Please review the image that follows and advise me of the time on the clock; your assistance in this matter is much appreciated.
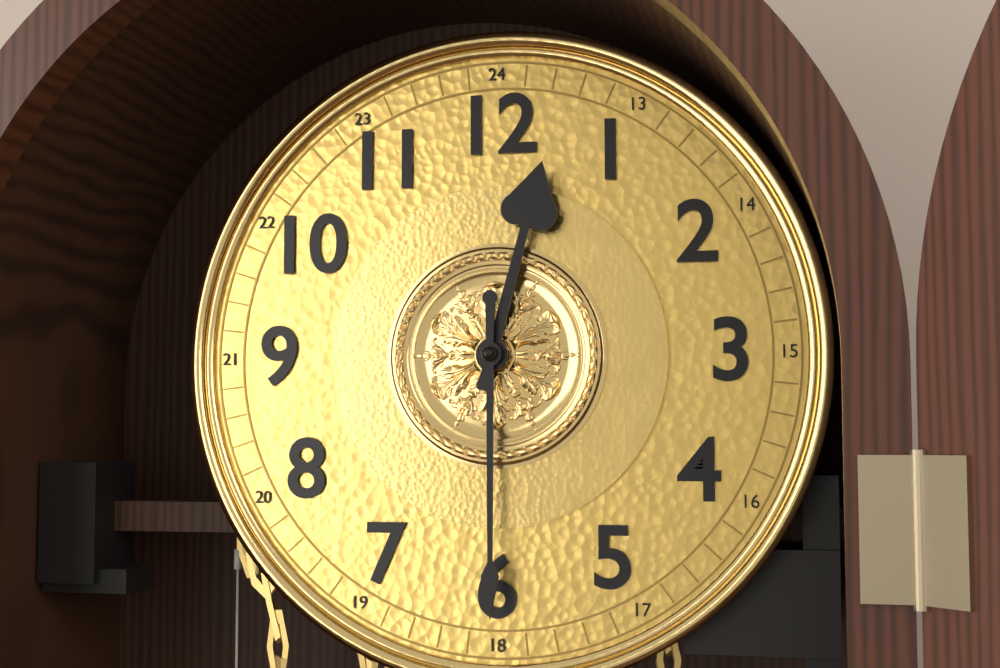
12:30
